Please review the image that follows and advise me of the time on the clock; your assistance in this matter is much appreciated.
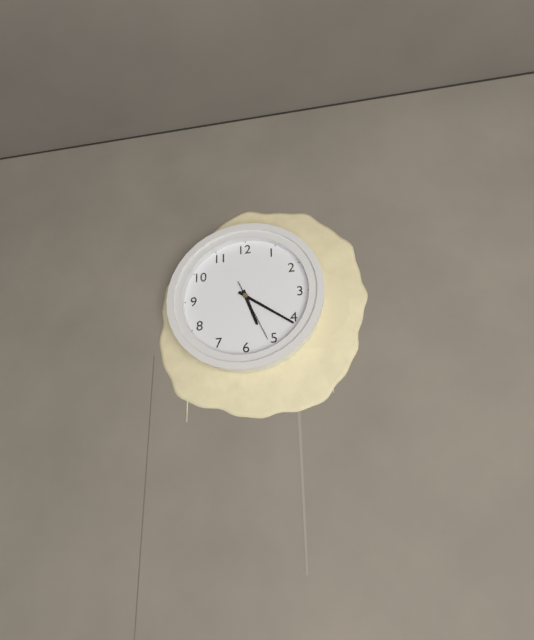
5:21:26
